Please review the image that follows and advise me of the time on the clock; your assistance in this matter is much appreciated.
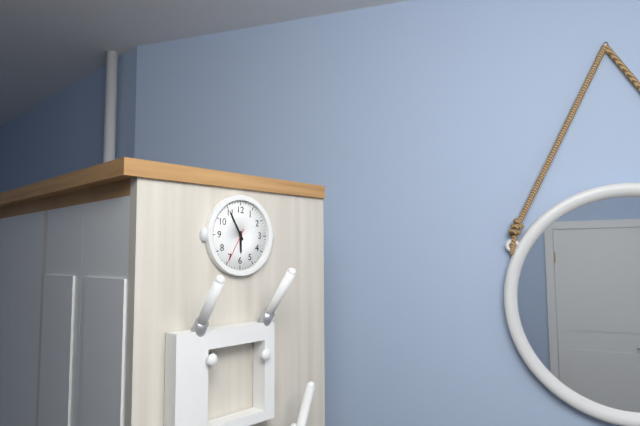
5:55
